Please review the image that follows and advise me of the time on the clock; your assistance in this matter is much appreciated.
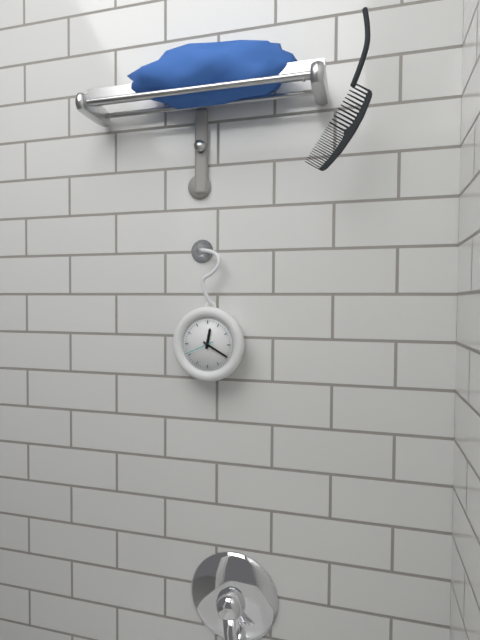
12:20
